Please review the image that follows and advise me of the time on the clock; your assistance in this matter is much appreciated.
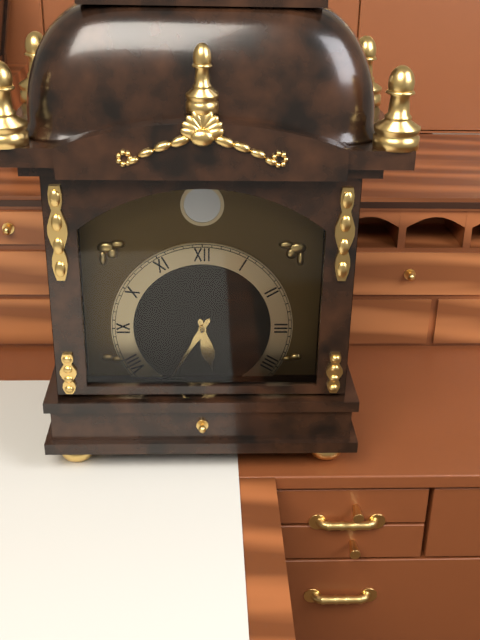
5:35
